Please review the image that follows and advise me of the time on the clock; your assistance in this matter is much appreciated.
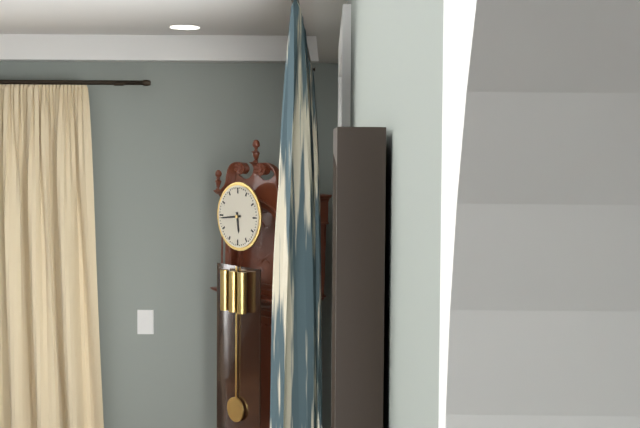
5:44
